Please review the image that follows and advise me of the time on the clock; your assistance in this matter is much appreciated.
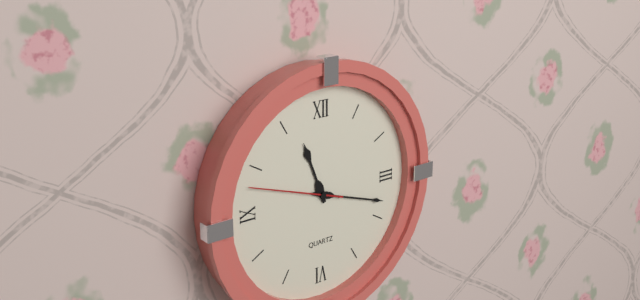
11:18:48
